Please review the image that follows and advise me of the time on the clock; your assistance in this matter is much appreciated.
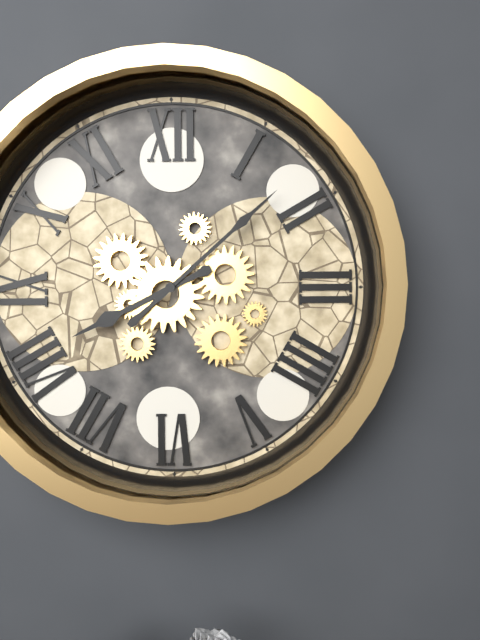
8:08
